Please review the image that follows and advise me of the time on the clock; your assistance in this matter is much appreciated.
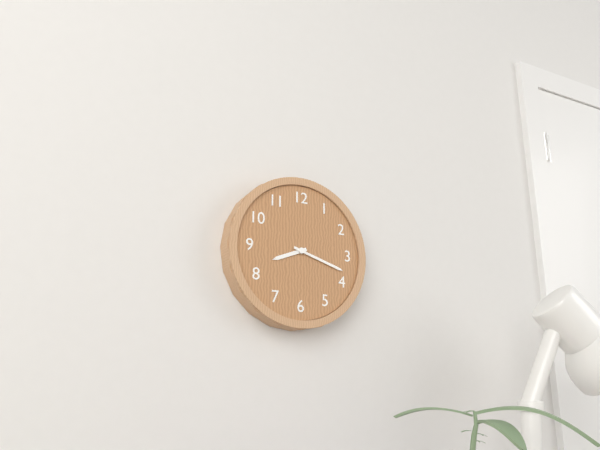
8:18
